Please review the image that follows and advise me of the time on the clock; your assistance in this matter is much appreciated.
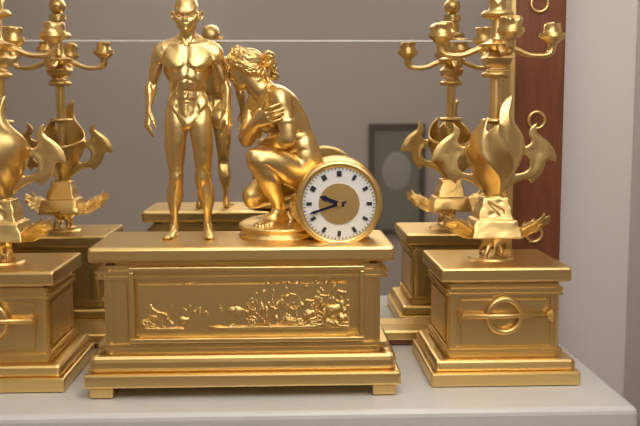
9:42
